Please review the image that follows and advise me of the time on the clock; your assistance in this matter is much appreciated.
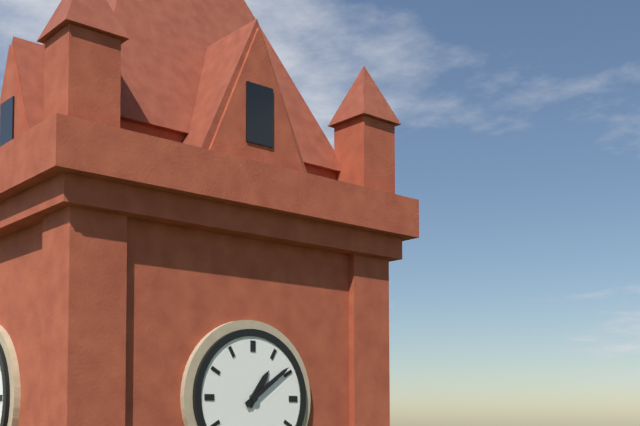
1:09
